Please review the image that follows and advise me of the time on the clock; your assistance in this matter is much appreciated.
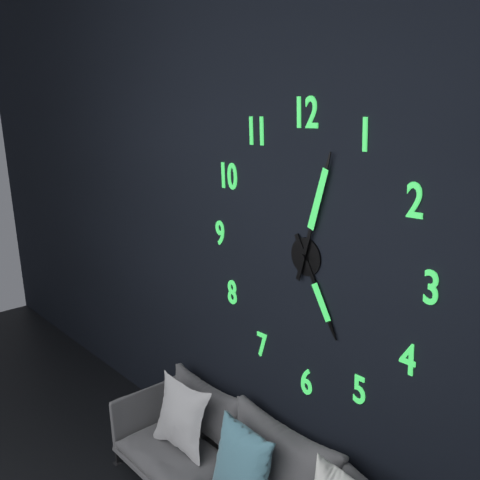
5:03
